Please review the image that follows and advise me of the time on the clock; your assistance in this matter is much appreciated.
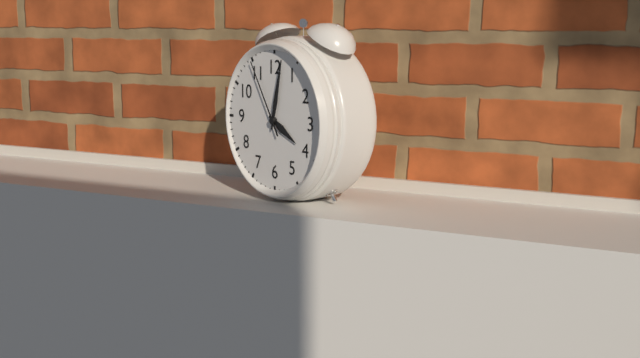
4:02:55
